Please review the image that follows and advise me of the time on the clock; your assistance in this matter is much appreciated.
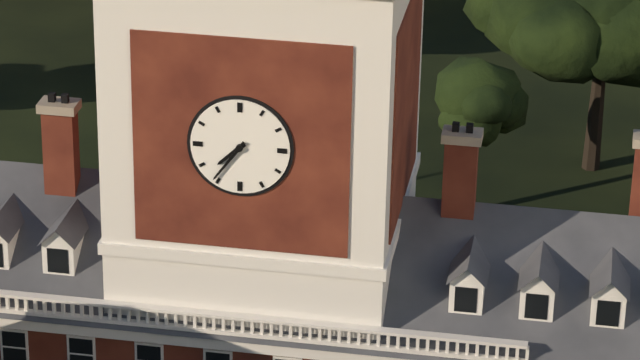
7:36
